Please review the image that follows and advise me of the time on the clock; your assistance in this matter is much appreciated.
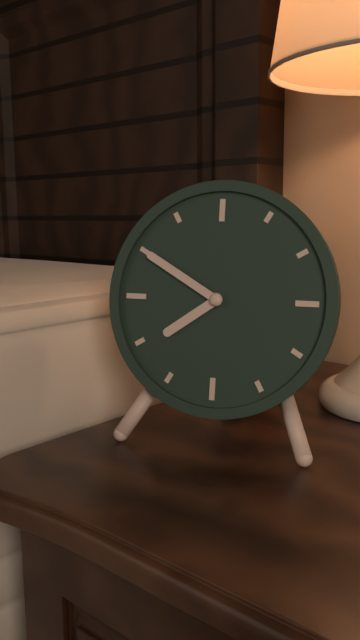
7:50
